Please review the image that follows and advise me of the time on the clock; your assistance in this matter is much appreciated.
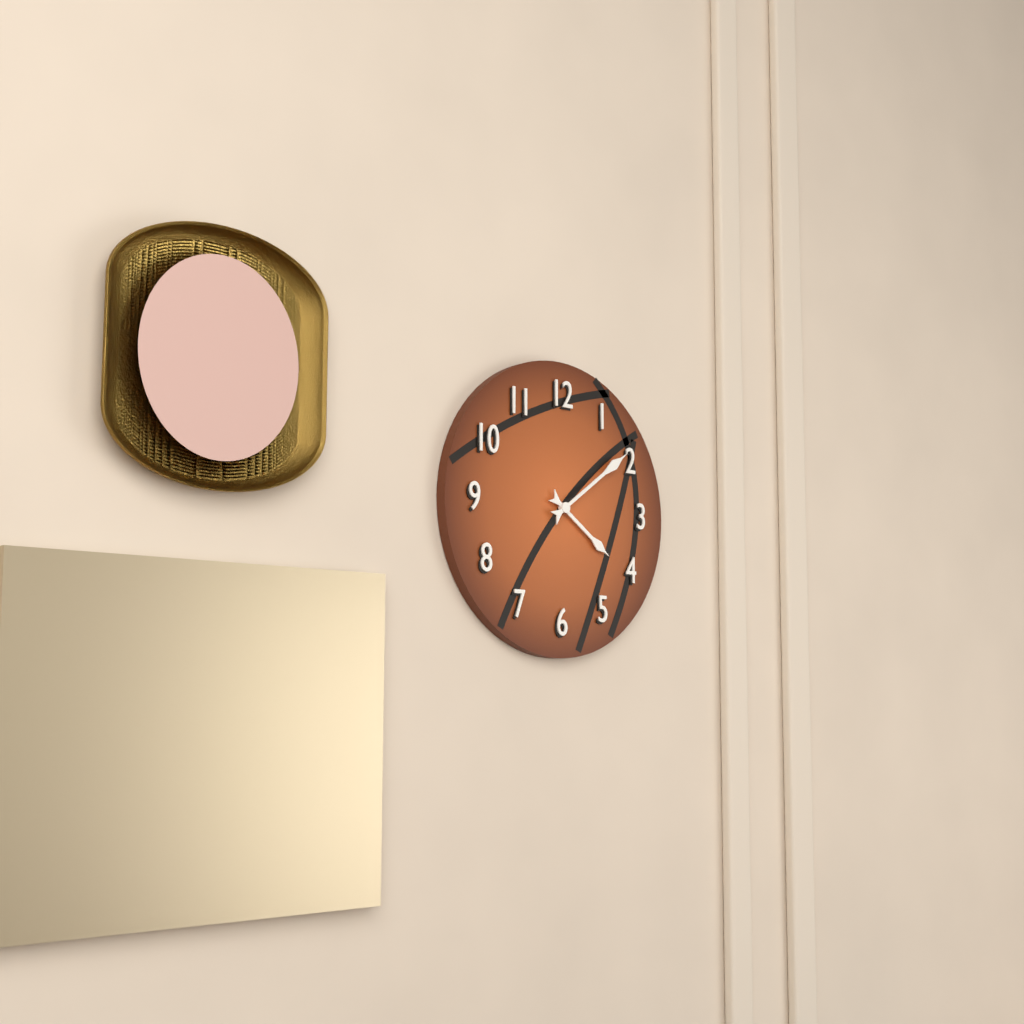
4:09
